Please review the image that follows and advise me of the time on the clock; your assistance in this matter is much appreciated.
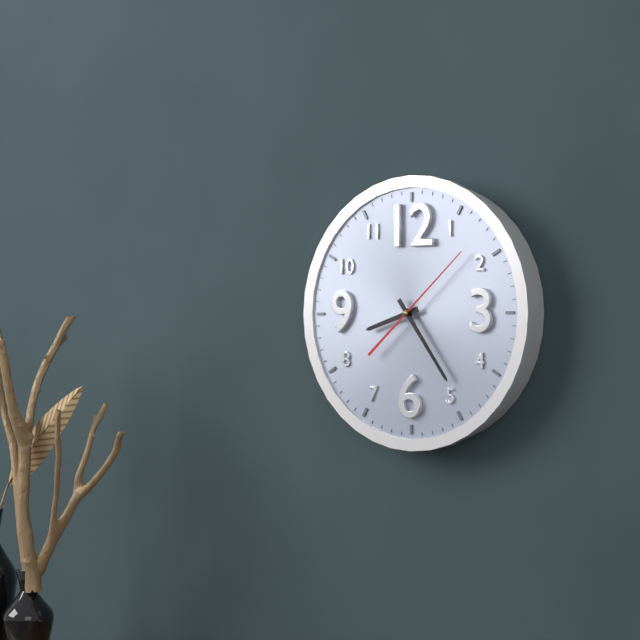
8:24:08
